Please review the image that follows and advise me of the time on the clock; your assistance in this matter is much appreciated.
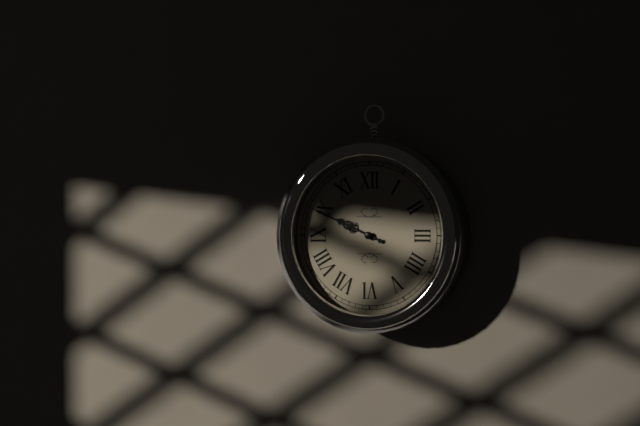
9:49
